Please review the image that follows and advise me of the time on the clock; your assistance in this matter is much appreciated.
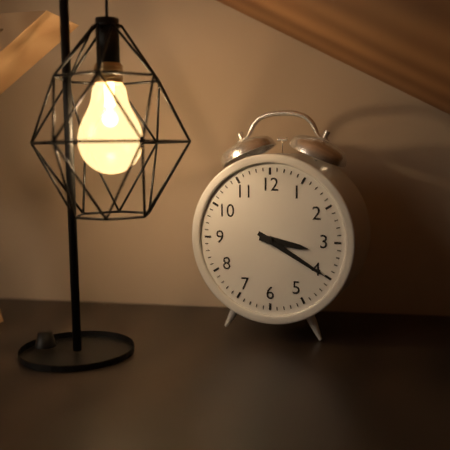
3:20
